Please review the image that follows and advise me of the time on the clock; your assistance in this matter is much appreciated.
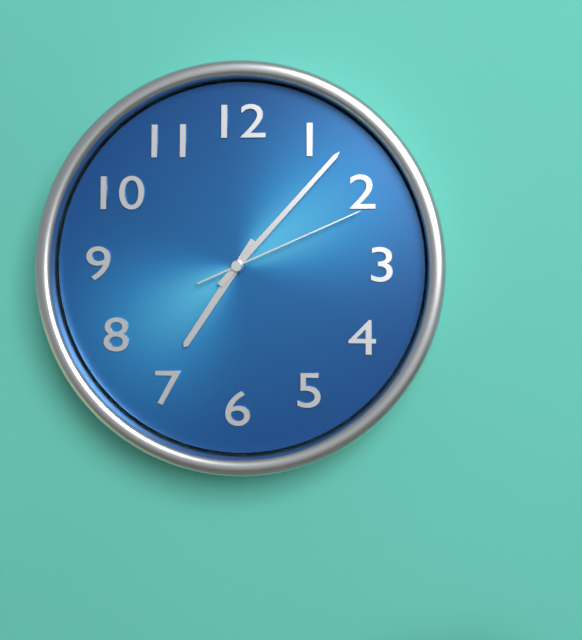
7:07:11
